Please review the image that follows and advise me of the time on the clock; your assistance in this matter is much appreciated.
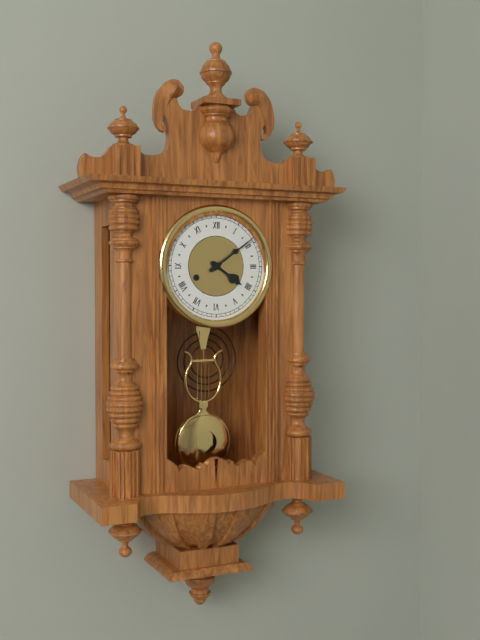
4:09
